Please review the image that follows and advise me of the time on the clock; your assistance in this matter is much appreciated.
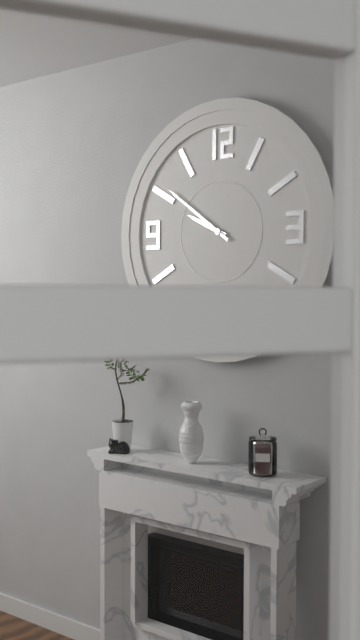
9:51
